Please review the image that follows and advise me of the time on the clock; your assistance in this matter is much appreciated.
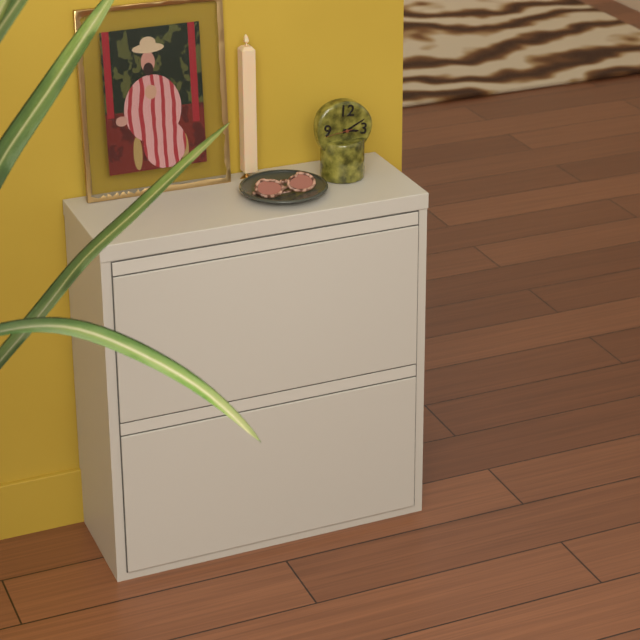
3:10
